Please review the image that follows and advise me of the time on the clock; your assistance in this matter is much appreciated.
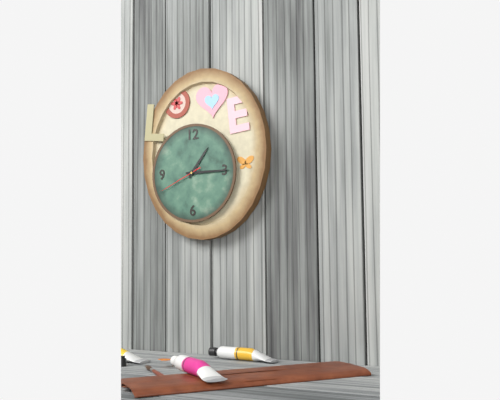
1:15
